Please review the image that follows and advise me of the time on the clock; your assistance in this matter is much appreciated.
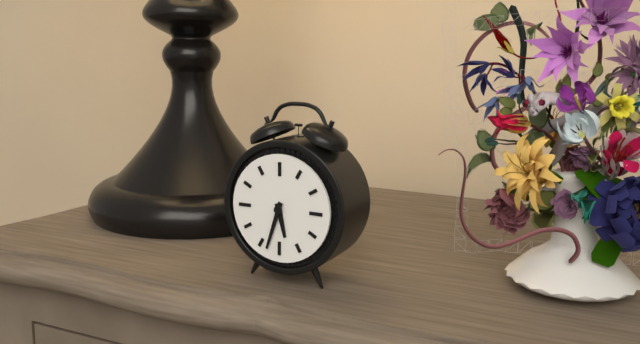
5:33
